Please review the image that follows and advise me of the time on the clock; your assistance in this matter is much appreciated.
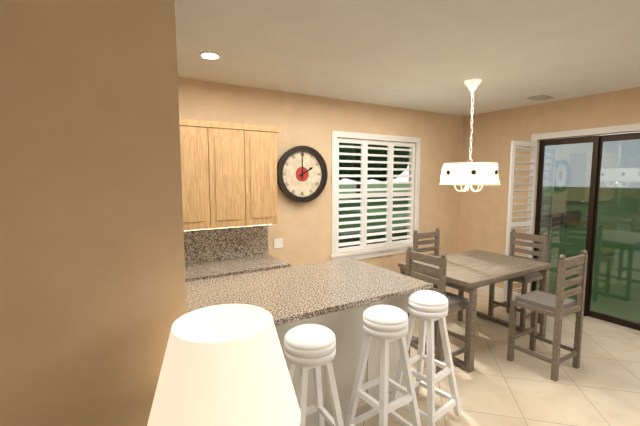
2:00
